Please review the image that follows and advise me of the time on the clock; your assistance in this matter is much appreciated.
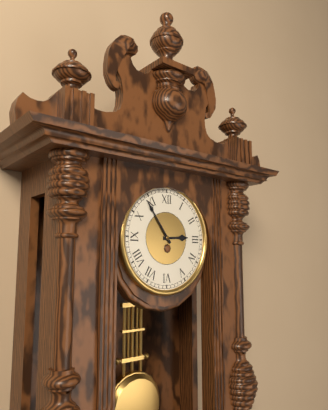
2:54
